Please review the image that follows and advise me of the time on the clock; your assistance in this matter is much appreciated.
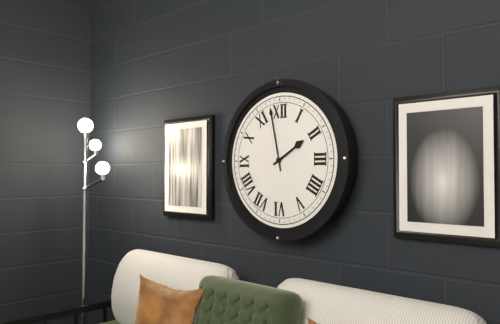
1:58
